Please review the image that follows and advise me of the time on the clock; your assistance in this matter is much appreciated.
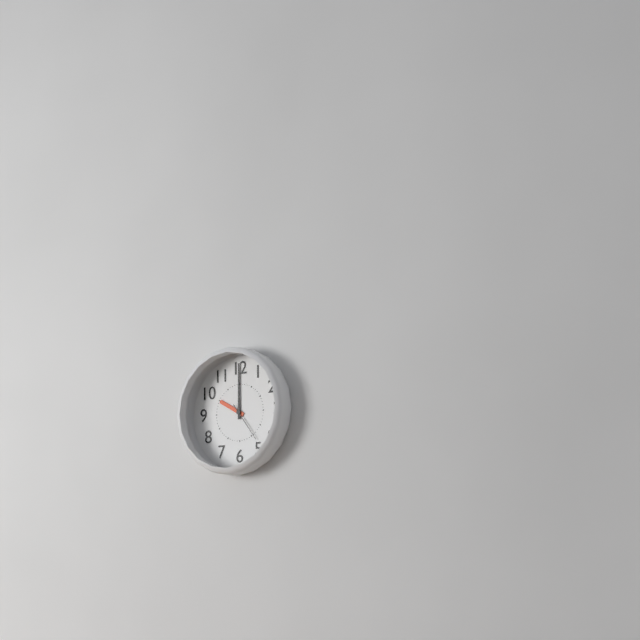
10:00
